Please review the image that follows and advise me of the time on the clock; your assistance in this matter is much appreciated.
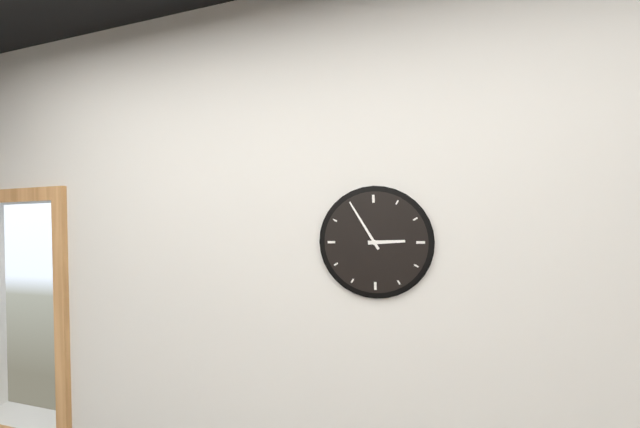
2:55
